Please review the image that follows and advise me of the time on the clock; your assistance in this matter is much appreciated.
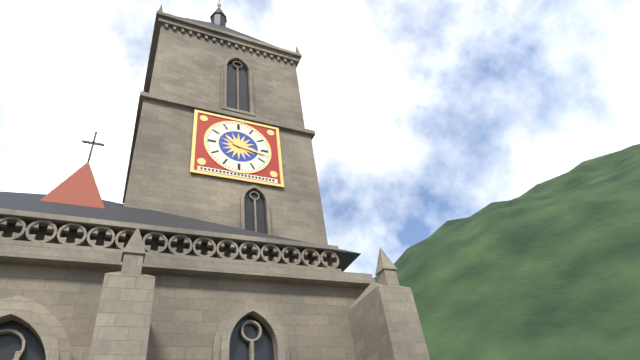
10:17
